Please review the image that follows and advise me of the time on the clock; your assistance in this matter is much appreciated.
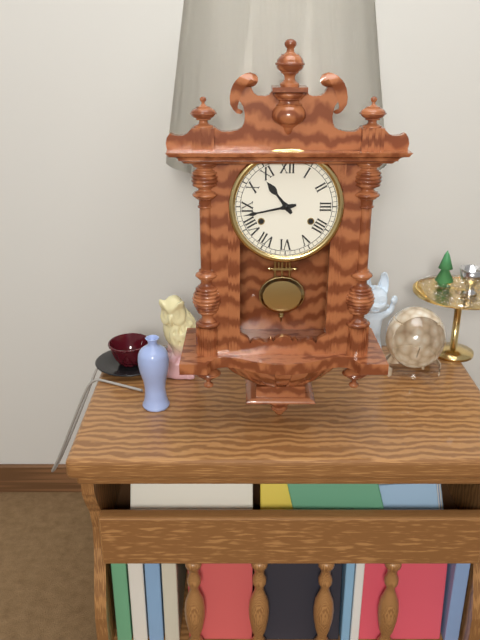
10:43
